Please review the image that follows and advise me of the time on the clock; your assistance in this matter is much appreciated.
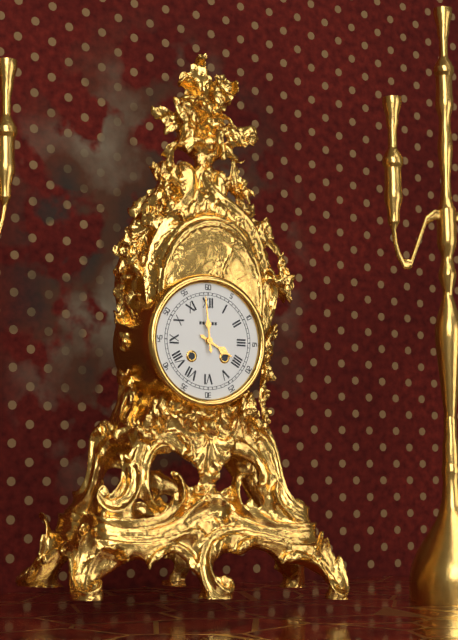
3:59
